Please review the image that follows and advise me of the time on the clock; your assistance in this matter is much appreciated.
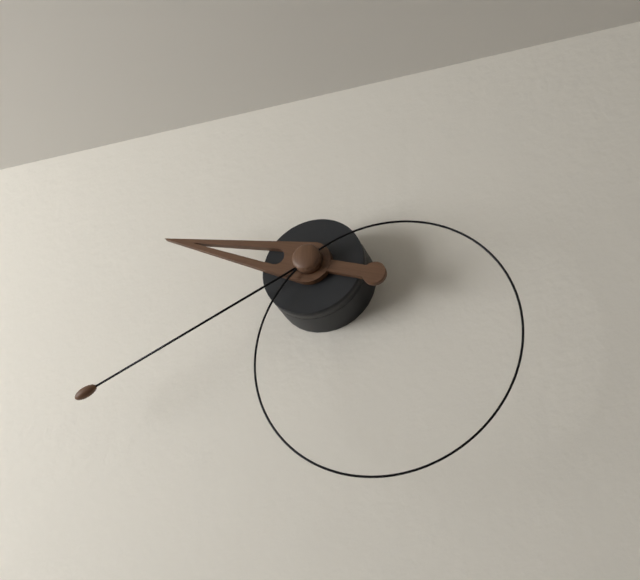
9:41:24
